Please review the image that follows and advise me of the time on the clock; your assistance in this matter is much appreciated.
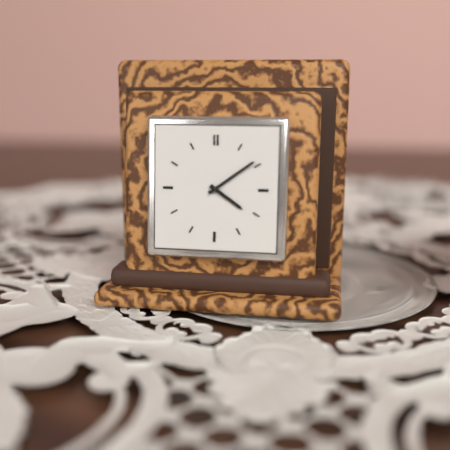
4:09
